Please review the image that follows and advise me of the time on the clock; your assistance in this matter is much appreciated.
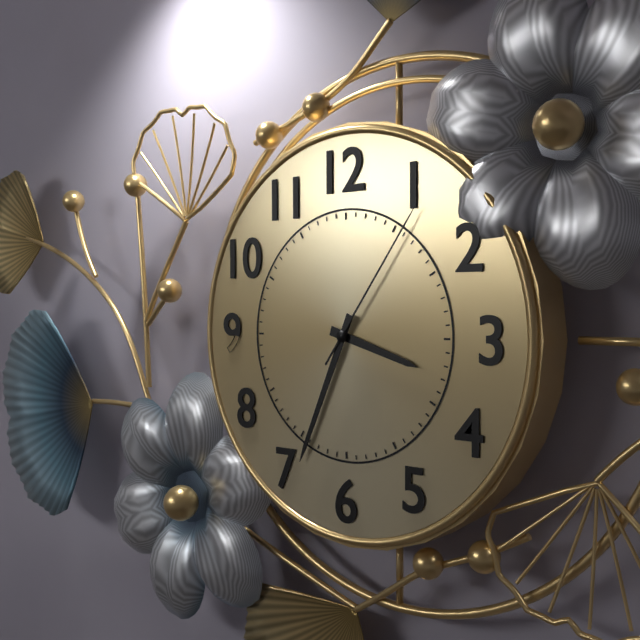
3:34:06
